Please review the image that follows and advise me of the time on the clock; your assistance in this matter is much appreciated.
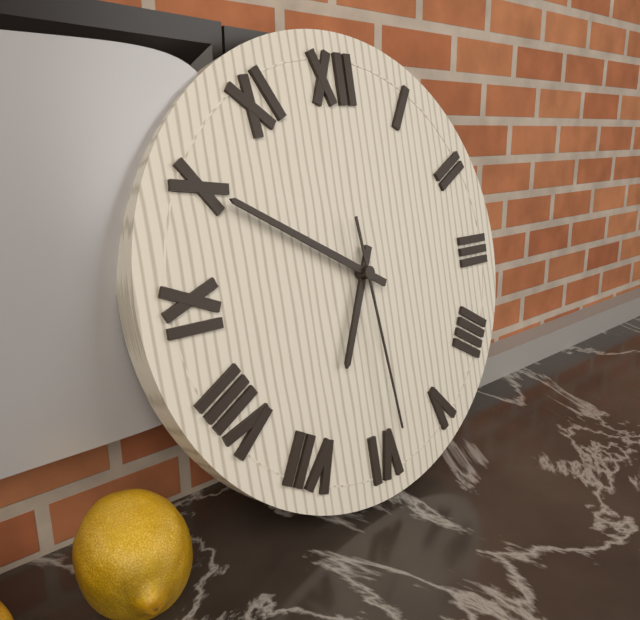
6:50:29
